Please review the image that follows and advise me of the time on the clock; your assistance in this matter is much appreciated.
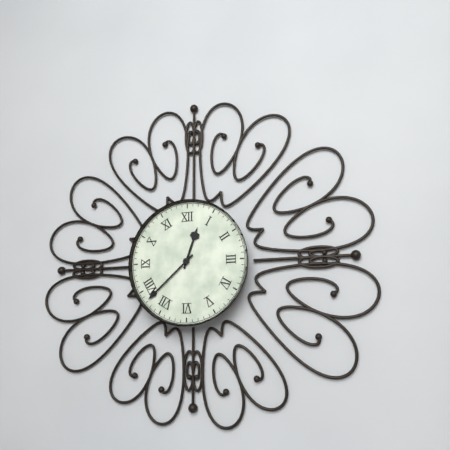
12:38
